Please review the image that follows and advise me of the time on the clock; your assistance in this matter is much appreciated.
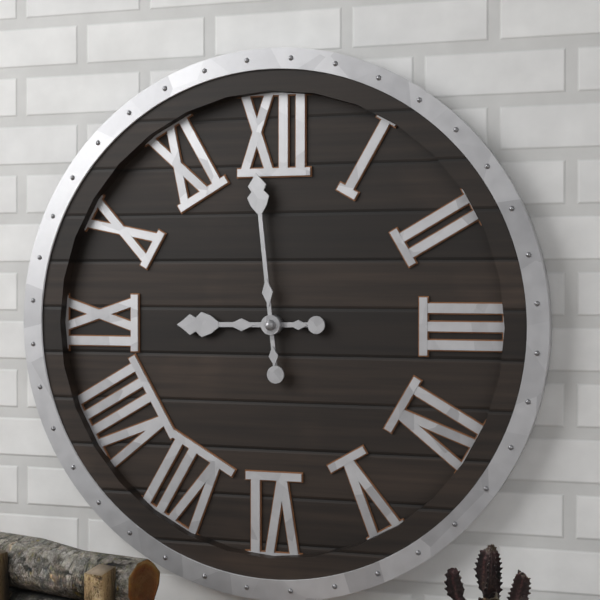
8:59
